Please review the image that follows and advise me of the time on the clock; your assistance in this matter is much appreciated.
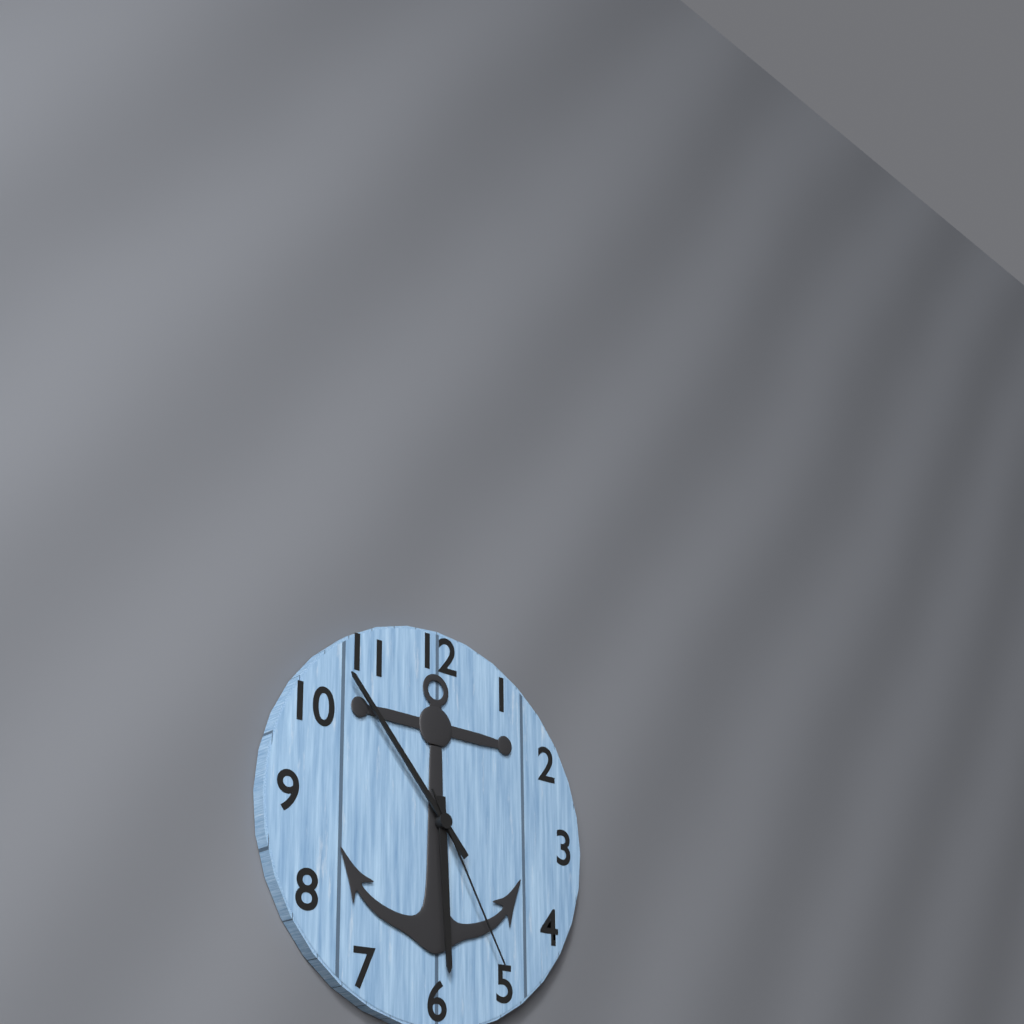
5:53:25
